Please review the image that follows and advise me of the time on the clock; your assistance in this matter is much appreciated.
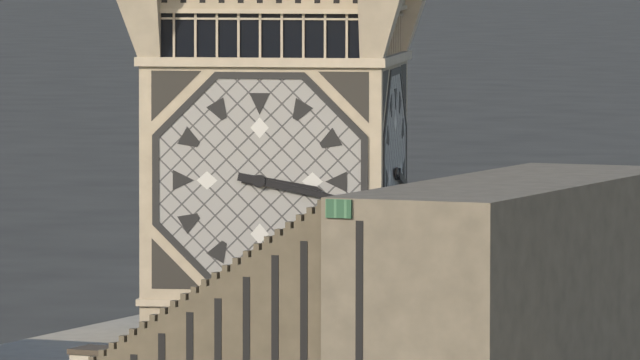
3:17
